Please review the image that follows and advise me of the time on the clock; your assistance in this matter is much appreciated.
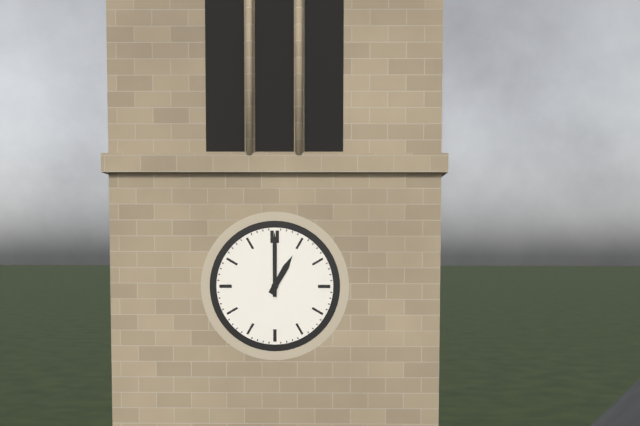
1:00
